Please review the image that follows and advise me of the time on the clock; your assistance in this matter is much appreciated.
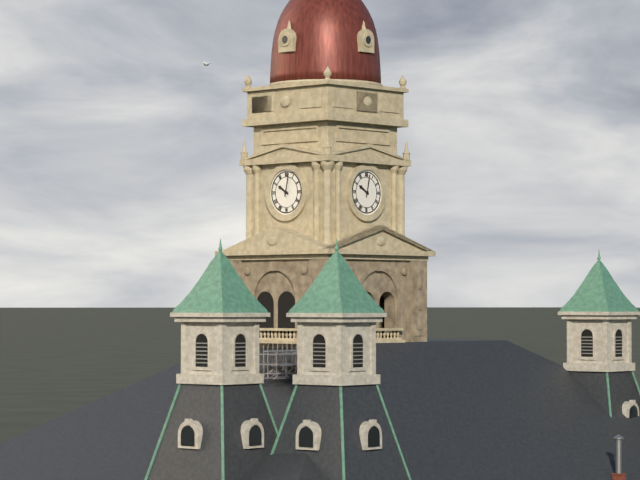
10:02
